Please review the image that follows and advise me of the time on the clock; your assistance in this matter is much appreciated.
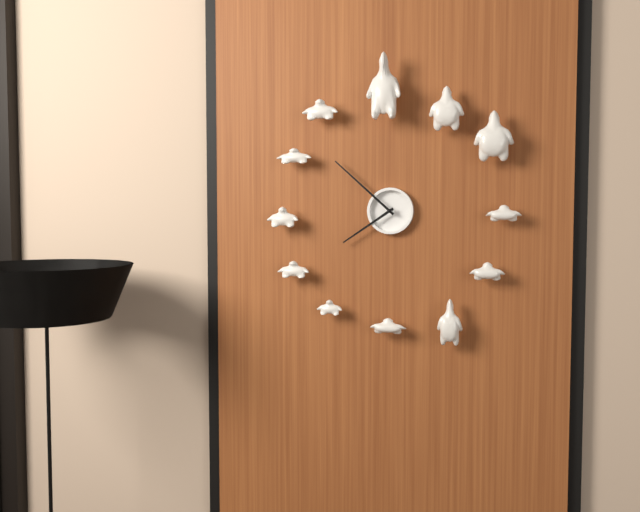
7:52
